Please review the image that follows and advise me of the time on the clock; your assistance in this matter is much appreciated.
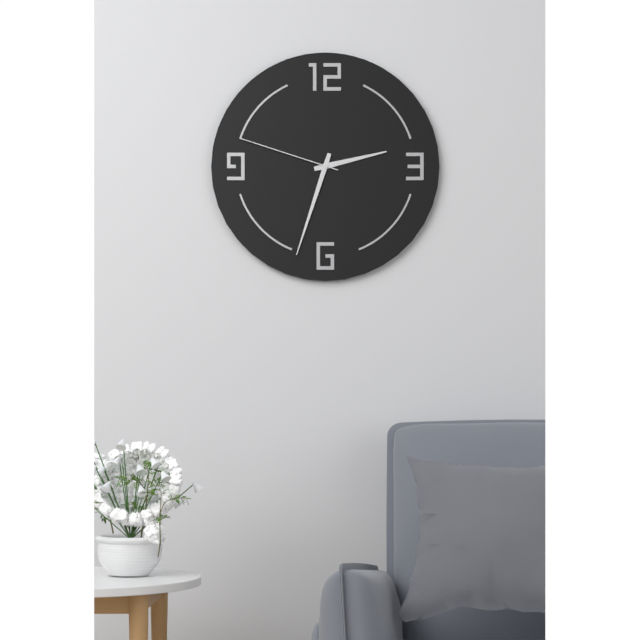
2:33:48
